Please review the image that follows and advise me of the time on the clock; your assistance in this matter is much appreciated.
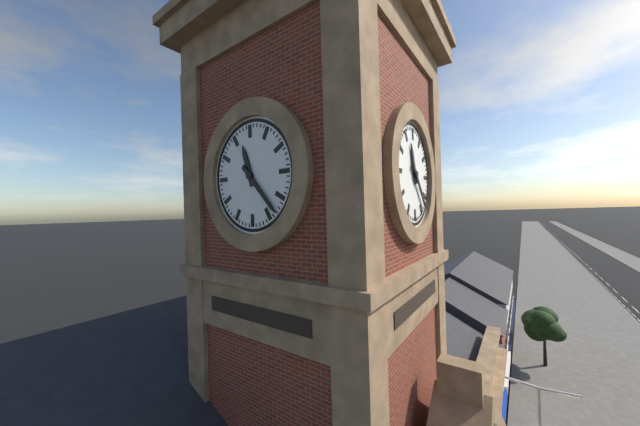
11:23
